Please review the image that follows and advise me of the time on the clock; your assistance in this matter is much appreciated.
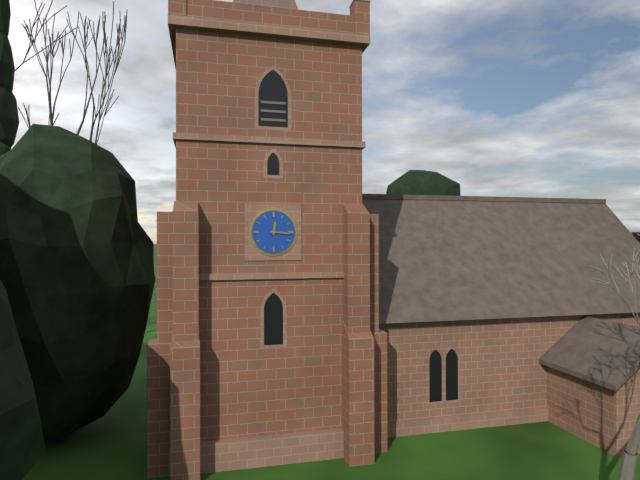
12:16
